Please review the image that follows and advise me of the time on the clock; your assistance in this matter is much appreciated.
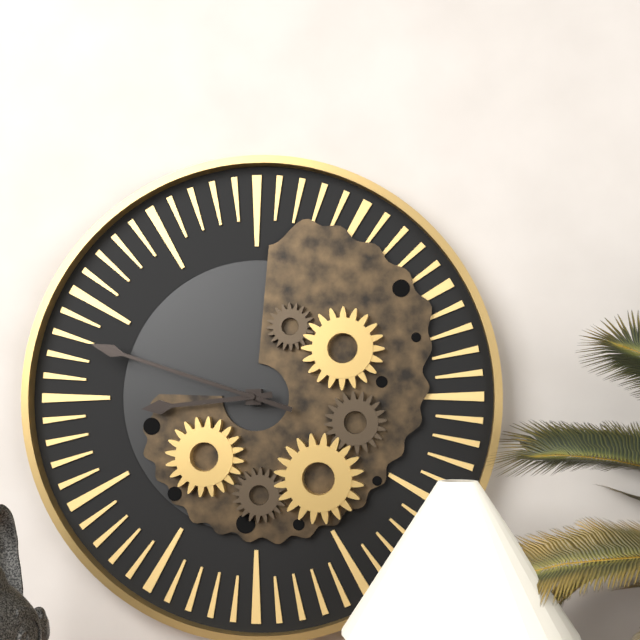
8:48
